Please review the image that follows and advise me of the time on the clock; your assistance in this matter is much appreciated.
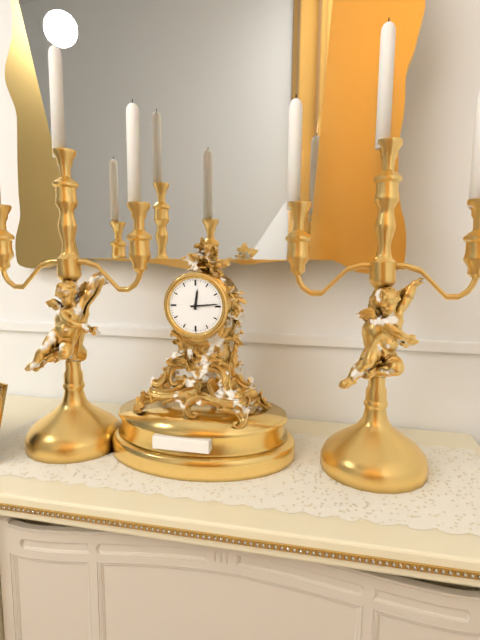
12:14
